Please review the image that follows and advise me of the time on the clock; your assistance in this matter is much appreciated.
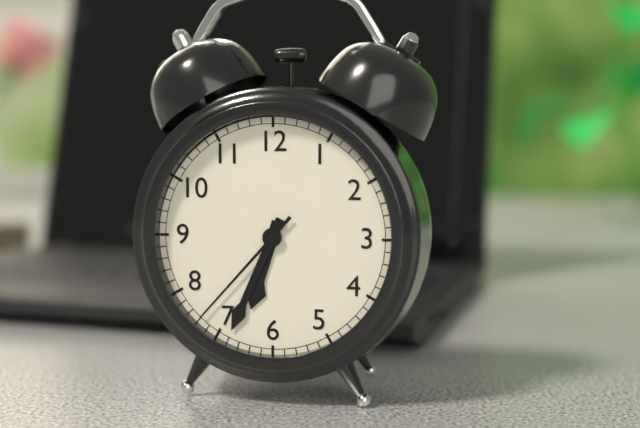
6:34:37
